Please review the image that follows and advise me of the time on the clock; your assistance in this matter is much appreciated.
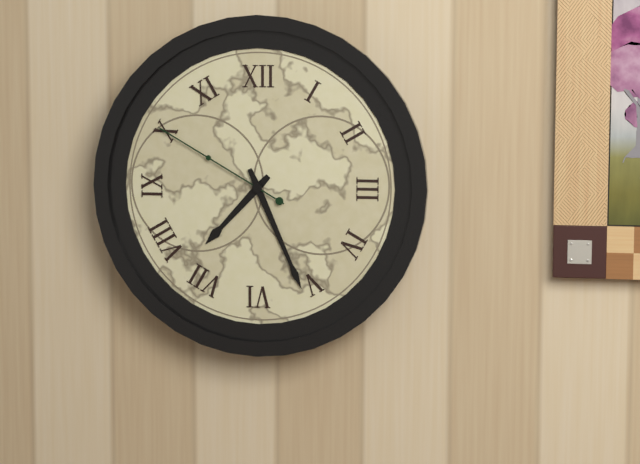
7:26:50
